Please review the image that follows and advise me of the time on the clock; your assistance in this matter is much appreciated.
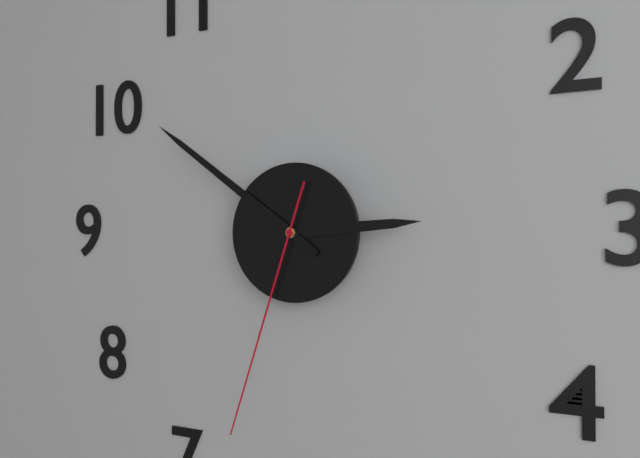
2:51:33
